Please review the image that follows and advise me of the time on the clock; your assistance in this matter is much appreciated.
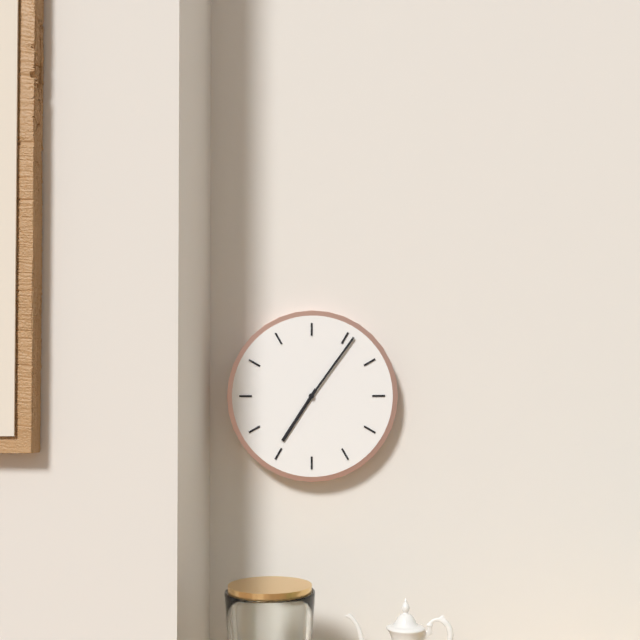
7:06
